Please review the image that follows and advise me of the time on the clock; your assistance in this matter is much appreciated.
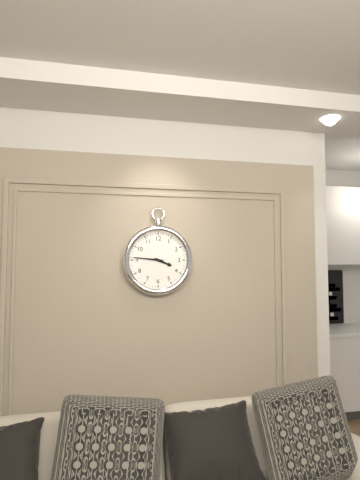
3:46
